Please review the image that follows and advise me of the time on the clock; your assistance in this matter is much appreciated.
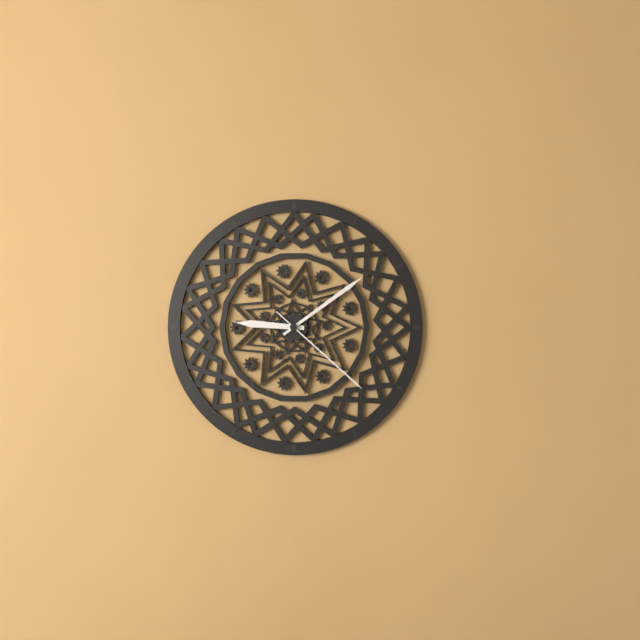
9:09:22
